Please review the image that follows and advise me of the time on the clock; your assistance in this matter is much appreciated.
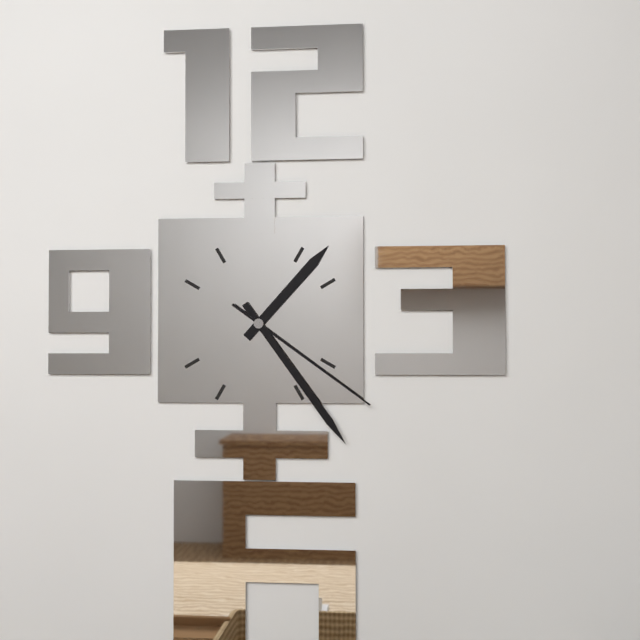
1:24:21
